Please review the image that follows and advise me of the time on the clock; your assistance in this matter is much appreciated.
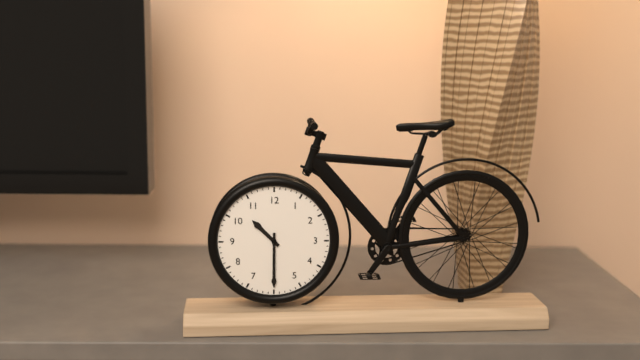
10:30
